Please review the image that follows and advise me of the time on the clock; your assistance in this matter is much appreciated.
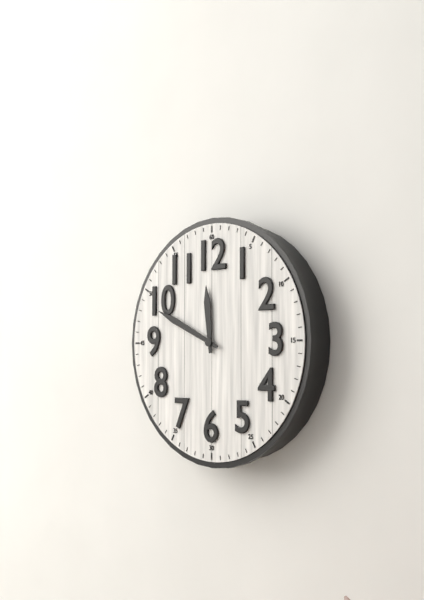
11:49
